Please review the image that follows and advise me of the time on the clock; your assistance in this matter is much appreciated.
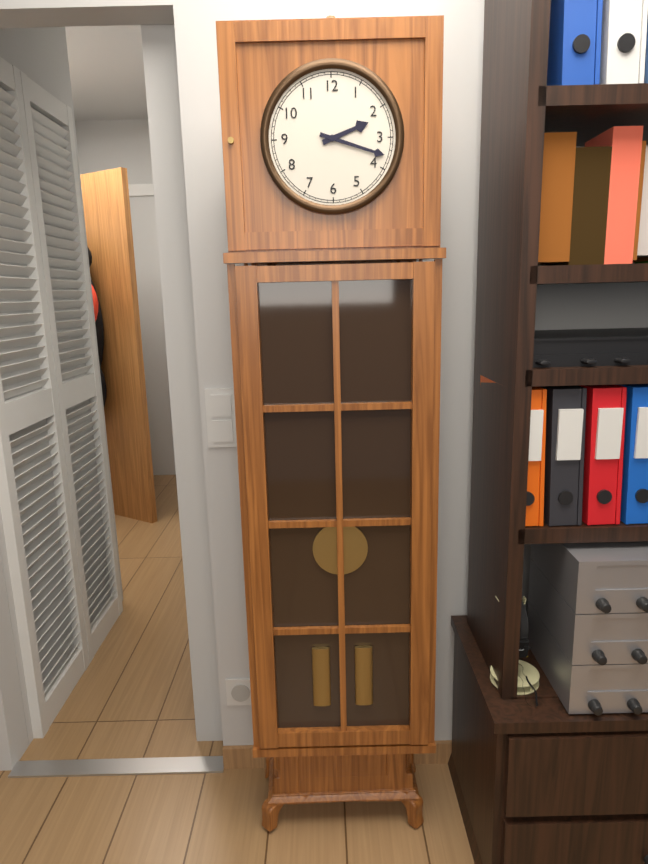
2:18
